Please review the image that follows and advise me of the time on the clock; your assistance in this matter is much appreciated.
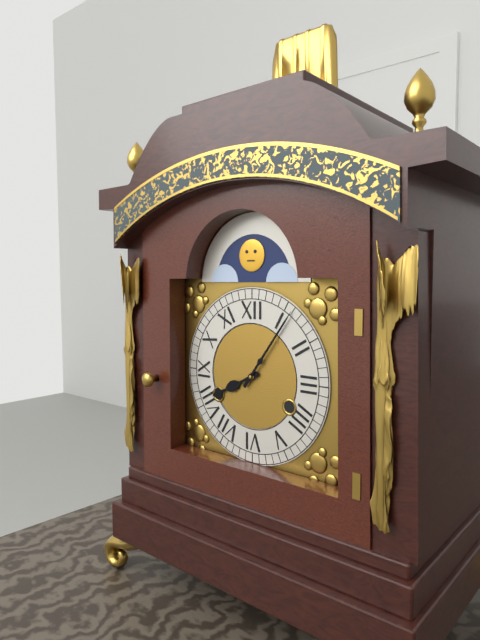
8:06
